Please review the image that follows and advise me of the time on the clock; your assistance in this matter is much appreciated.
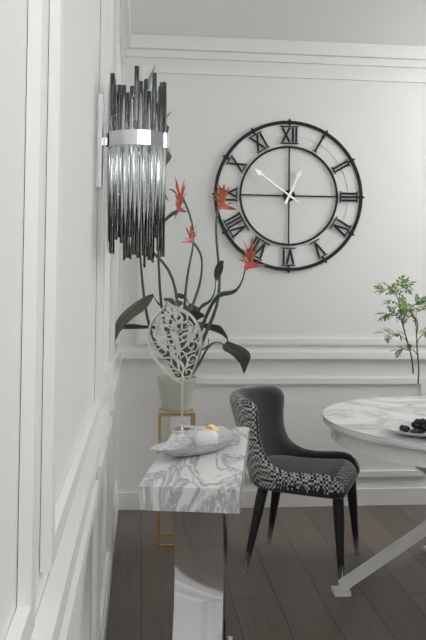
12:51
